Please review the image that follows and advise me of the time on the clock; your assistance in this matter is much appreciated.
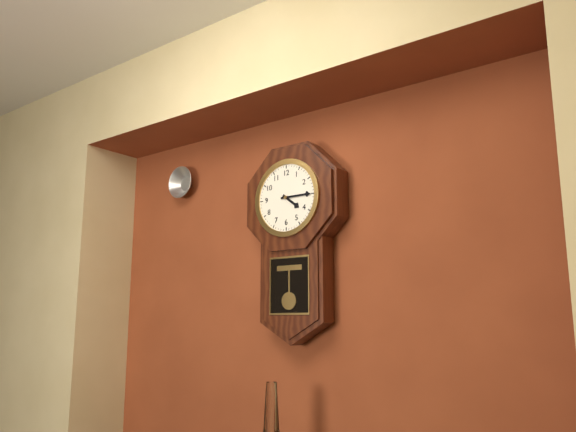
4:15
